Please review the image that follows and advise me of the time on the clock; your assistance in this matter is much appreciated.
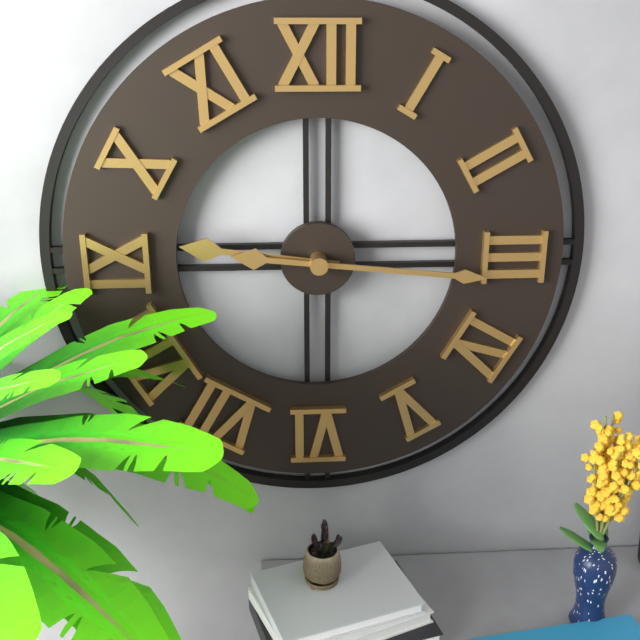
9:16
